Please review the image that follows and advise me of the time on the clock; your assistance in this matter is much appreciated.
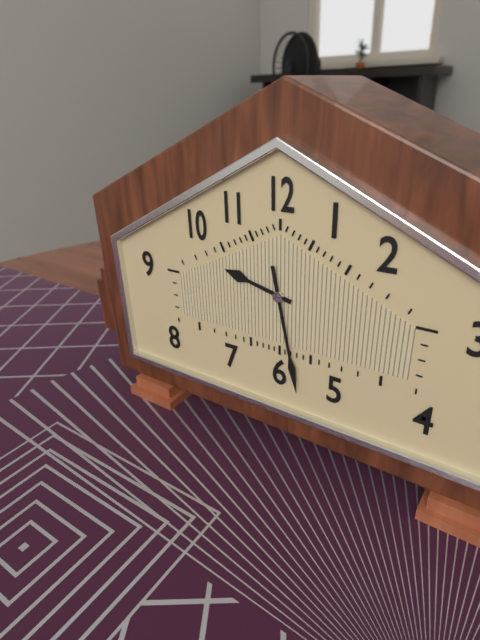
9:28
